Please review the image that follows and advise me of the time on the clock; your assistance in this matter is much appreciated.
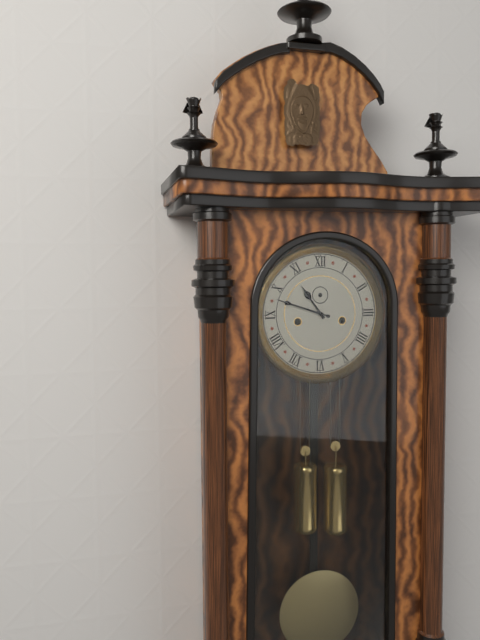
10:48
